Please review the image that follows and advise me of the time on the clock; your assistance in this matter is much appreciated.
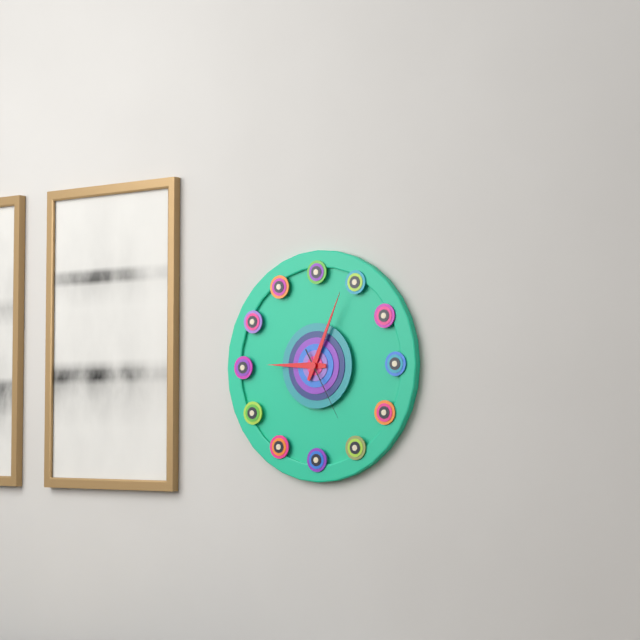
9:04:25
